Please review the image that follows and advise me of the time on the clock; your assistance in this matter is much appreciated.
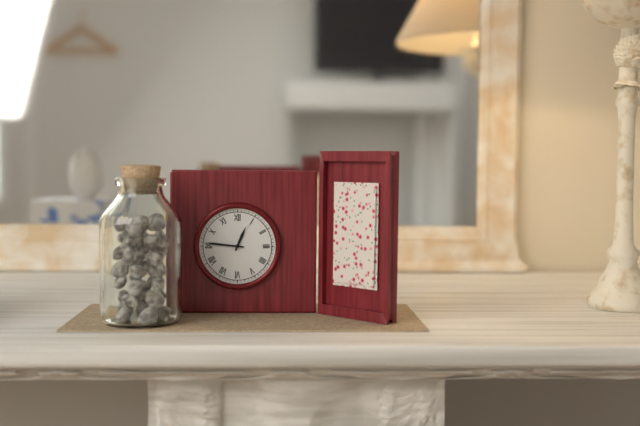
12:46
